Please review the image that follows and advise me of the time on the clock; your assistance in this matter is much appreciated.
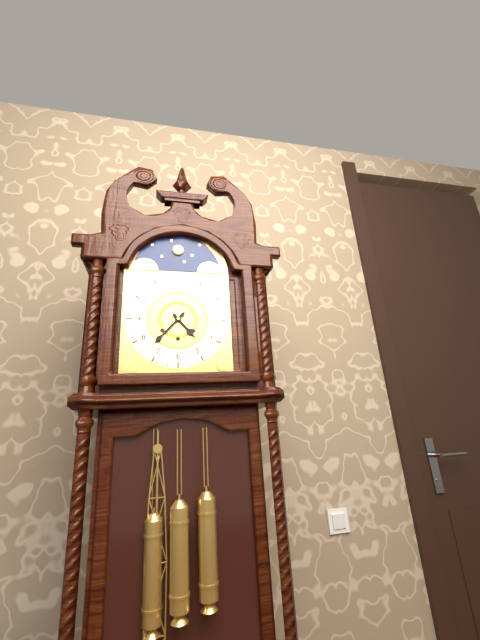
4:37
